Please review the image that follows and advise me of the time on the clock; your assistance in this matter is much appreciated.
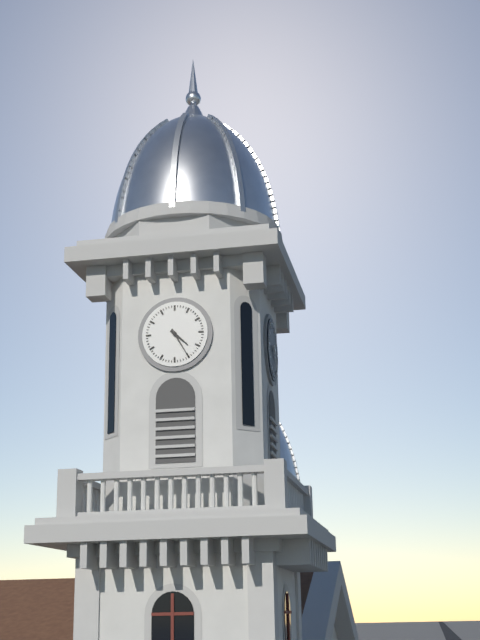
4:25
